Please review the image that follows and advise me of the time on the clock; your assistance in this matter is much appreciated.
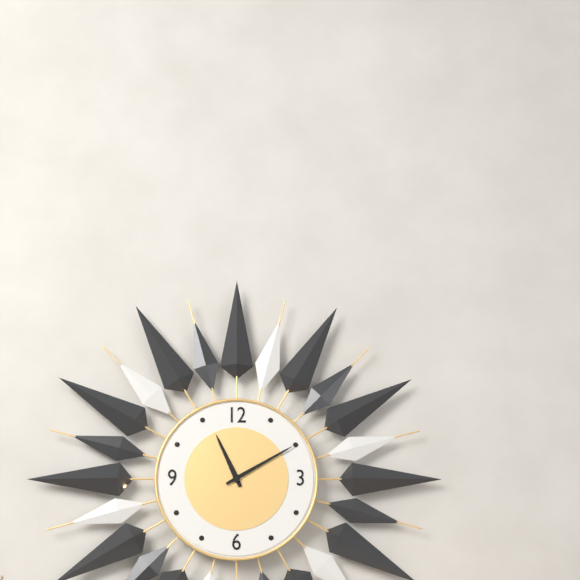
11:10
